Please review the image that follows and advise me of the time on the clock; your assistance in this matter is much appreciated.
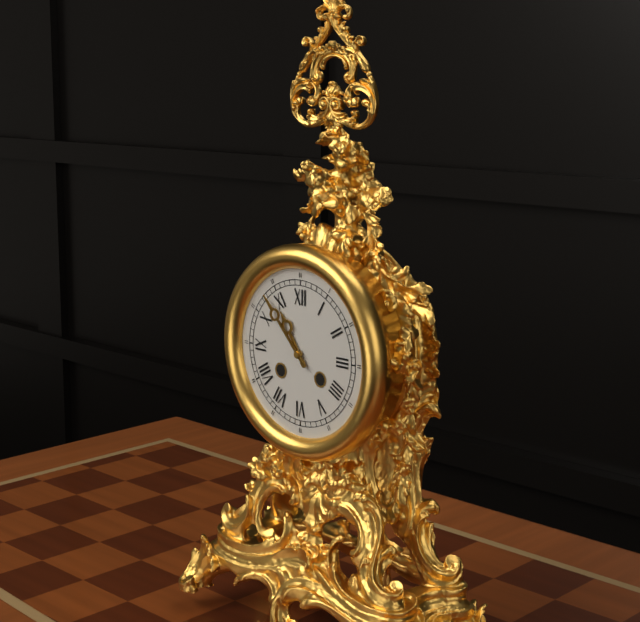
10:53
